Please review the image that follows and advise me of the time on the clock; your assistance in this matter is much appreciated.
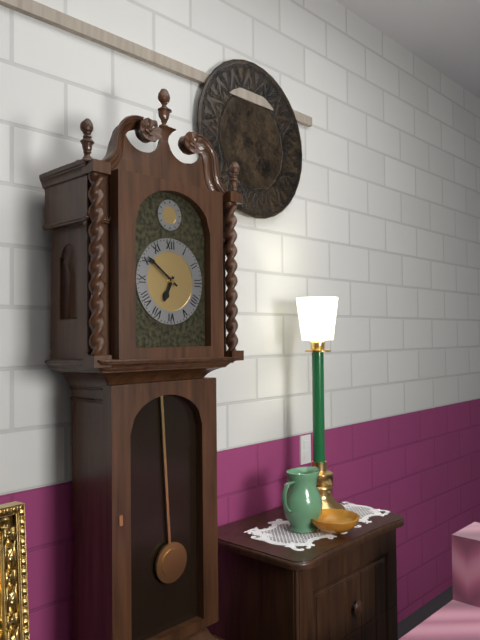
6:51
